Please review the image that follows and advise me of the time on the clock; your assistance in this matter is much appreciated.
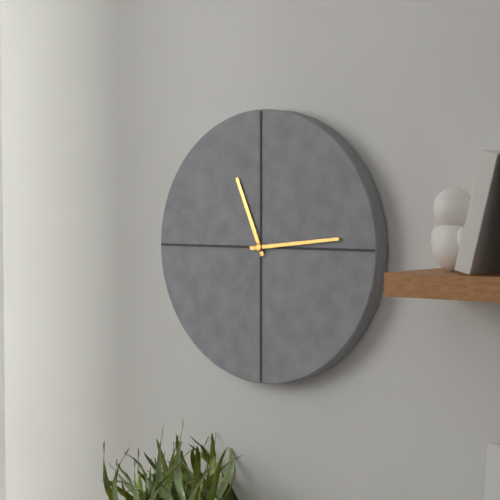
11:14
